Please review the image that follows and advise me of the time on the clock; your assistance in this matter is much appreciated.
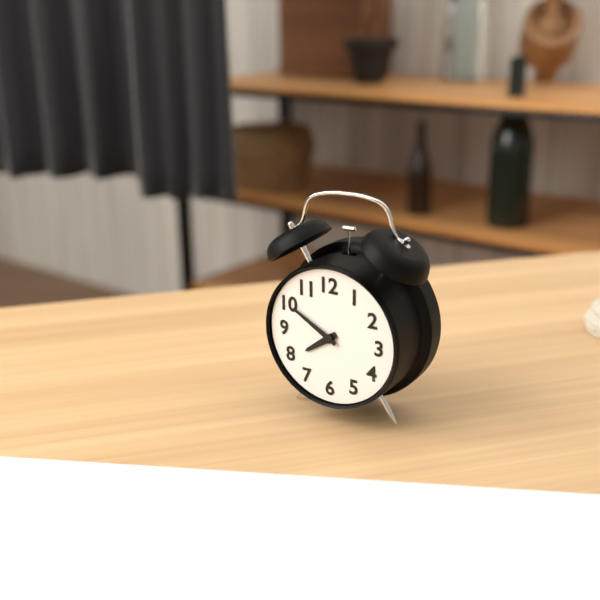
7:50
